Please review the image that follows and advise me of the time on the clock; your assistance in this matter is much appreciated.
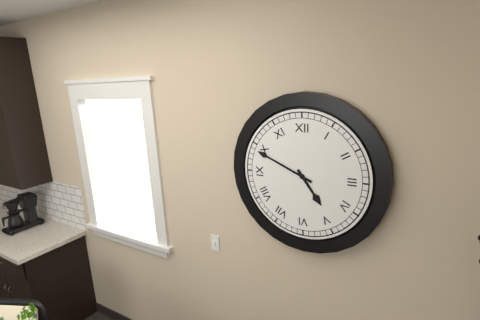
4:49
